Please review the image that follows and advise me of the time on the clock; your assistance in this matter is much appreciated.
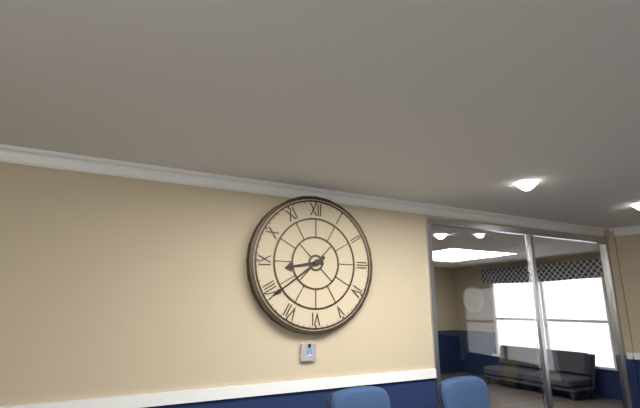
8:39
